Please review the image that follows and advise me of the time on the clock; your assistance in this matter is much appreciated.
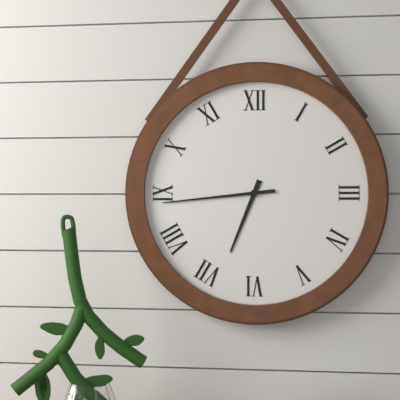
6:44
